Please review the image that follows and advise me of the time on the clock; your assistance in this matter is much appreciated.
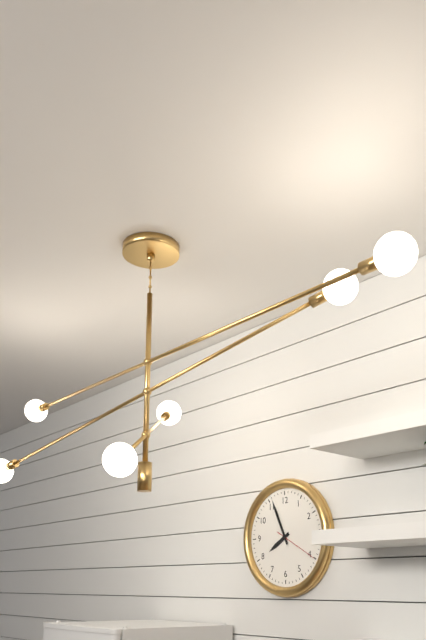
7:56
